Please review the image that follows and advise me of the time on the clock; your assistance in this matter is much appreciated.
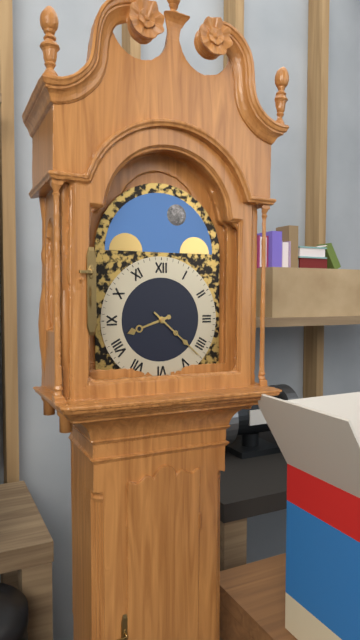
8:22
